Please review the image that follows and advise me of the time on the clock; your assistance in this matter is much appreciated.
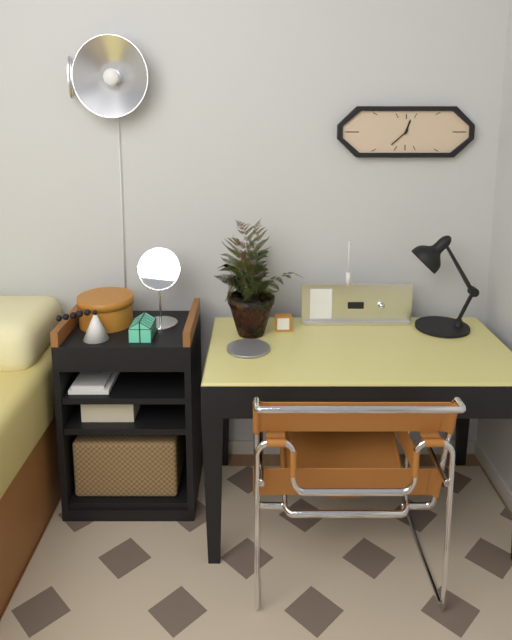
12:38
